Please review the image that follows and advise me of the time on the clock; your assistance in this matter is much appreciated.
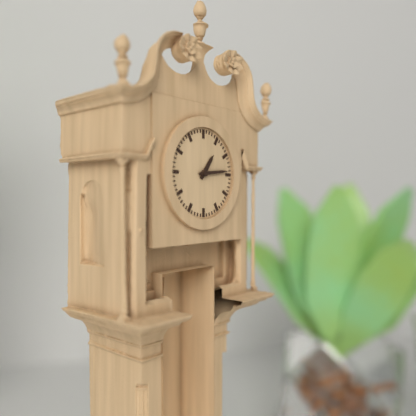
1:14
